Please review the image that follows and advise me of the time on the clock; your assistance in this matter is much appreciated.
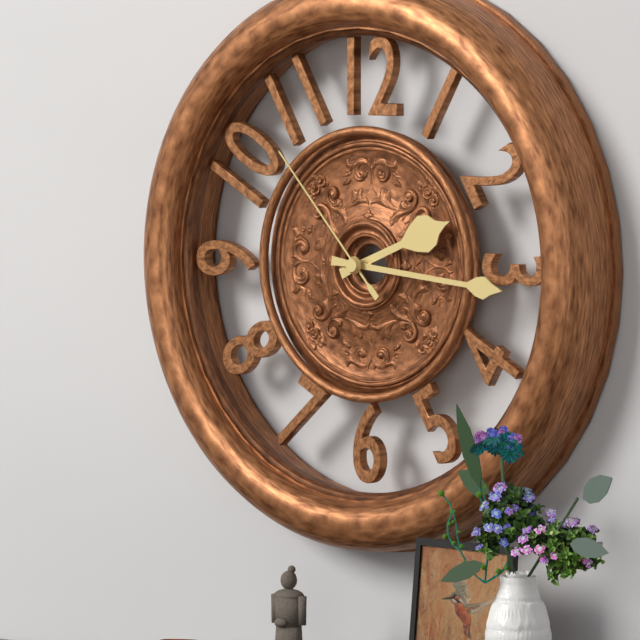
2:16:53
